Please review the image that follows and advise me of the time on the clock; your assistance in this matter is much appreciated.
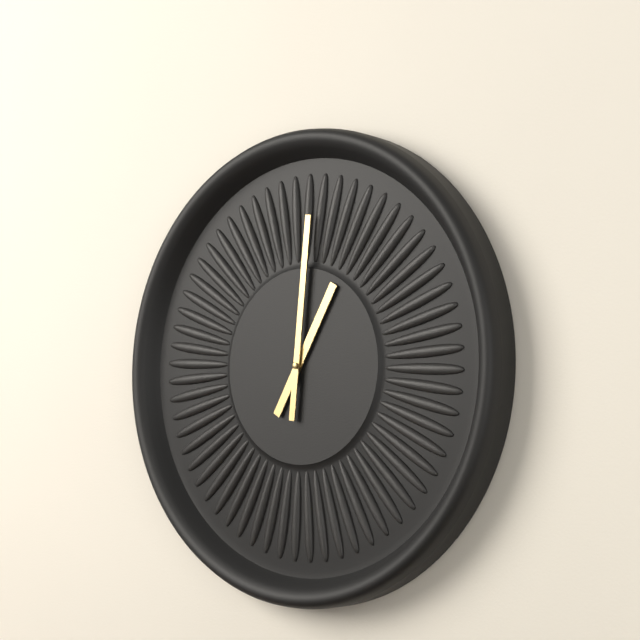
1:01
